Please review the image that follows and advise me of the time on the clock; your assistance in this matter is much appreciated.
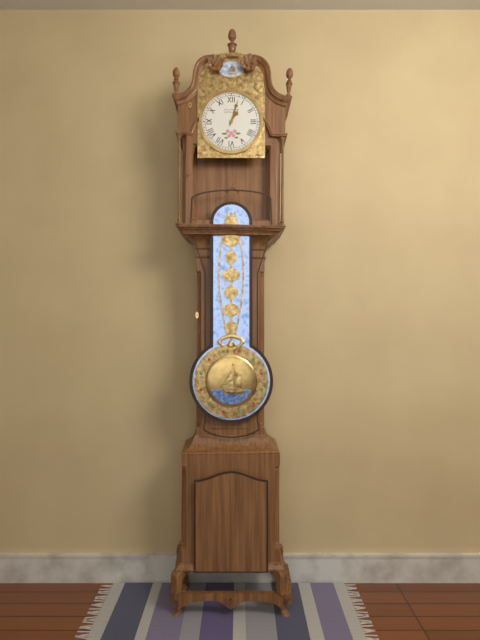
1:03
